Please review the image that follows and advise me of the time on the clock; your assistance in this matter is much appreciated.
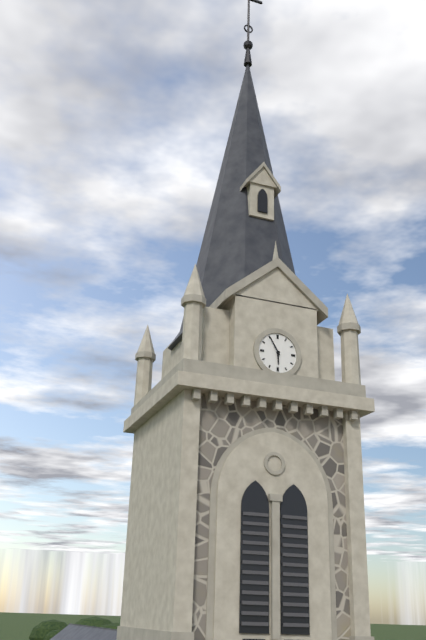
5:55
